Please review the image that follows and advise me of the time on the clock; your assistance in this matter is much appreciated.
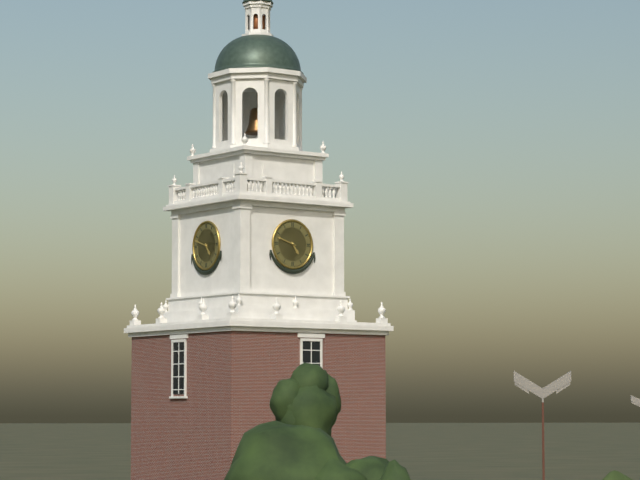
4:48
